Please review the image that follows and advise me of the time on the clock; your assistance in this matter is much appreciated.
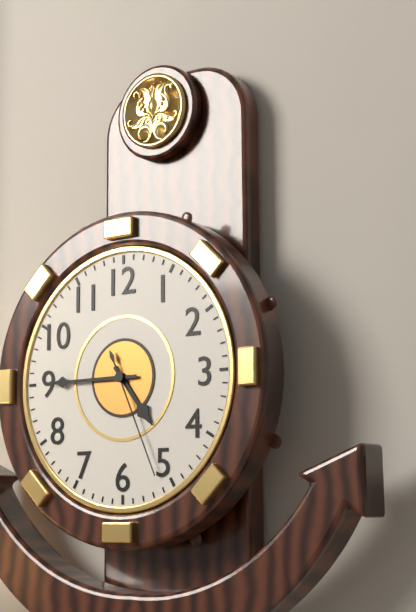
4:45:26
